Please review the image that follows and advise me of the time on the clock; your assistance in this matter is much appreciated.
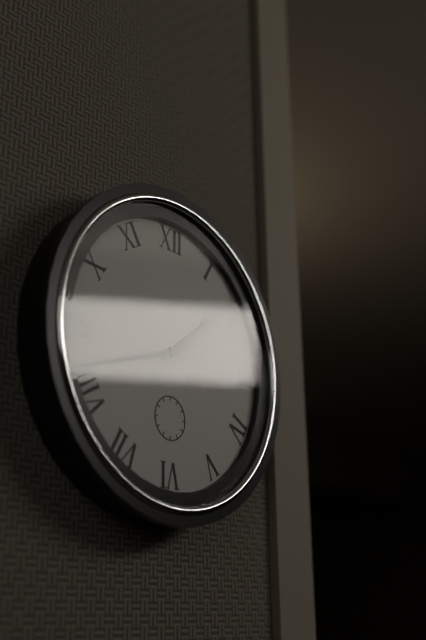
1:42
